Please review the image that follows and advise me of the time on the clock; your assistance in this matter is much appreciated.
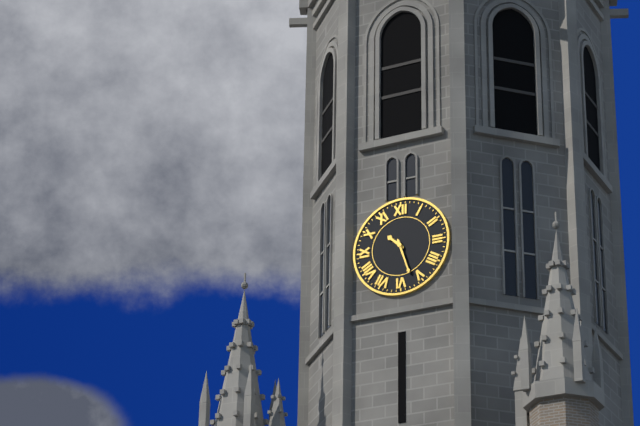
10:27
